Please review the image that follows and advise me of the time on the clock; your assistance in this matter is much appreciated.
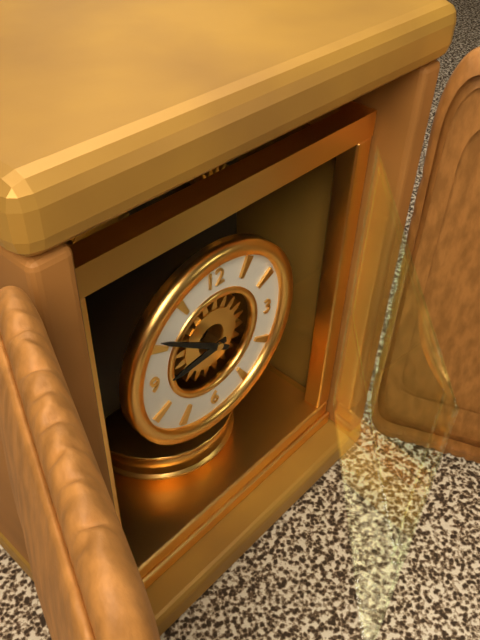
8:51
